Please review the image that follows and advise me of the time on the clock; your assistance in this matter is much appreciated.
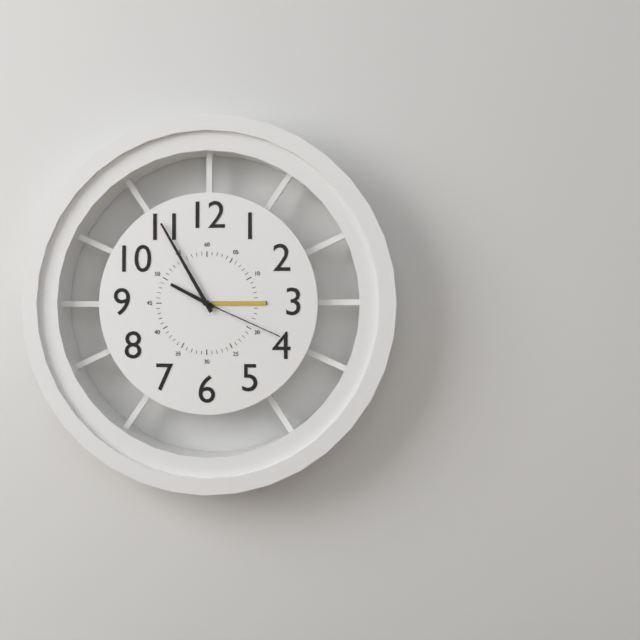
9:55:19
